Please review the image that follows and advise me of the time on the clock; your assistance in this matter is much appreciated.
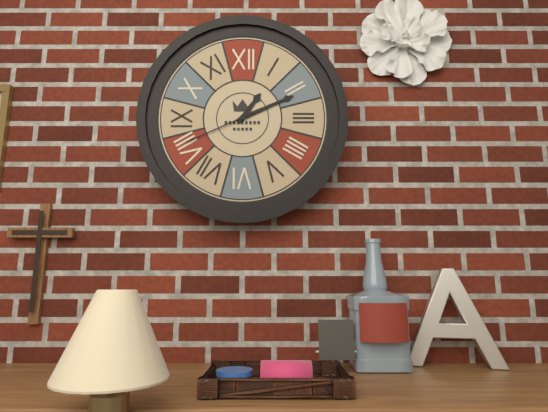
1:11:41
